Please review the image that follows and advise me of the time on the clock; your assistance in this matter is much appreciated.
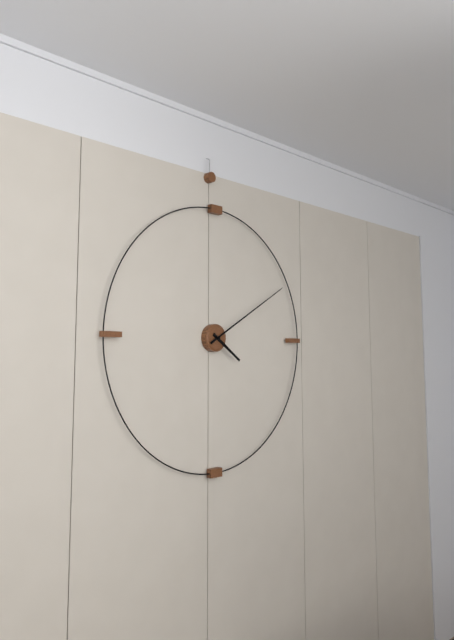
4:10
